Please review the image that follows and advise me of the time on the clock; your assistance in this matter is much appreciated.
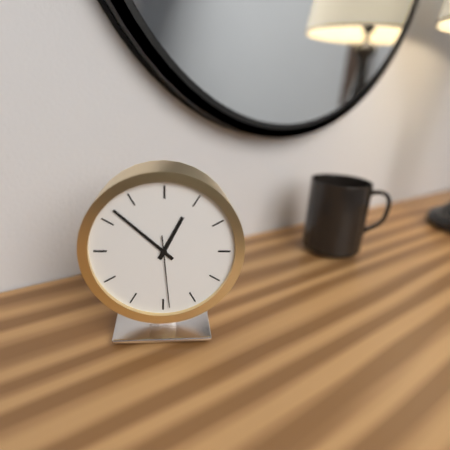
12:52:29
